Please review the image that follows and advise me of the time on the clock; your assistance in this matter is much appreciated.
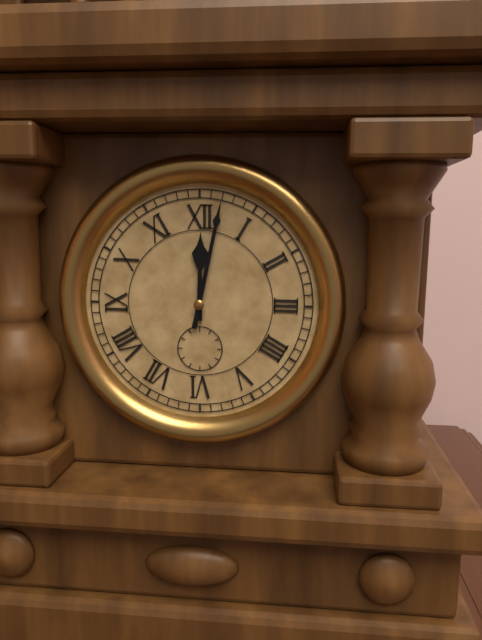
12:02
